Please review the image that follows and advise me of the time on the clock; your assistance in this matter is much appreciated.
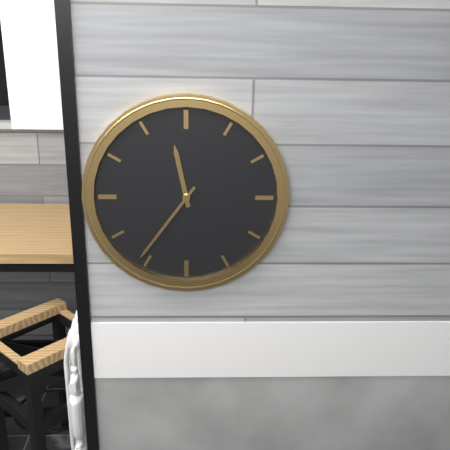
11:36
